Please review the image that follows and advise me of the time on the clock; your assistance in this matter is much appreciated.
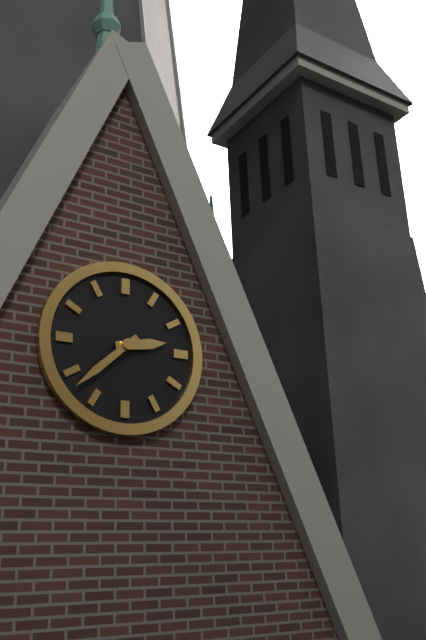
2:38
